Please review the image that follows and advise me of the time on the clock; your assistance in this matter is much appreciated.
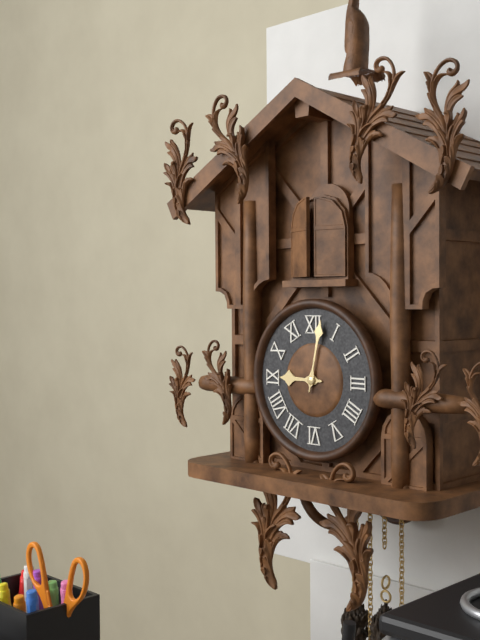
9:02
